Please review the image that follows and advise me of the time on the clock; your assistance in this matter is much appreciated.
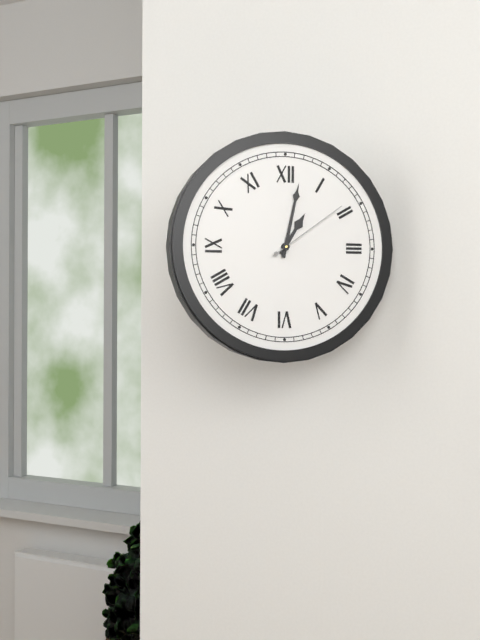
1:02:09
